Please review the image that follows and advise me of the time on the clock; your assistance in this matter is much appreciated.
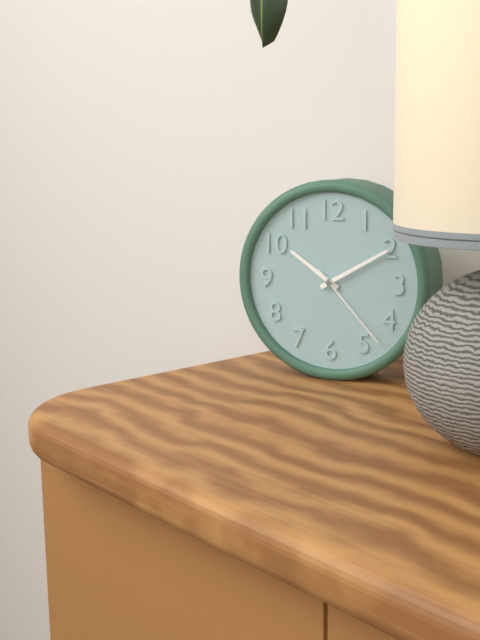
10:10:23
